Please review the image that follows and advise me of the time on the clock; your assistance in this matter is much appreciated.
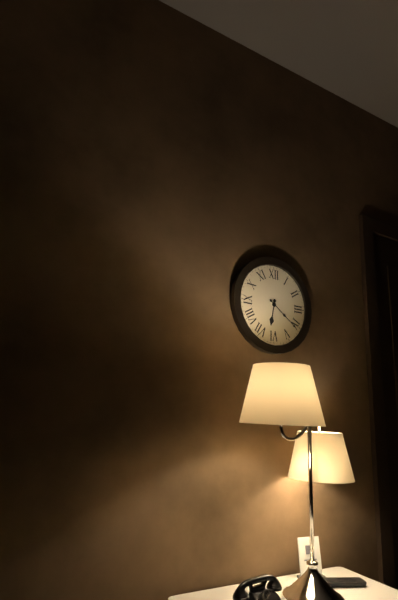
6:21
